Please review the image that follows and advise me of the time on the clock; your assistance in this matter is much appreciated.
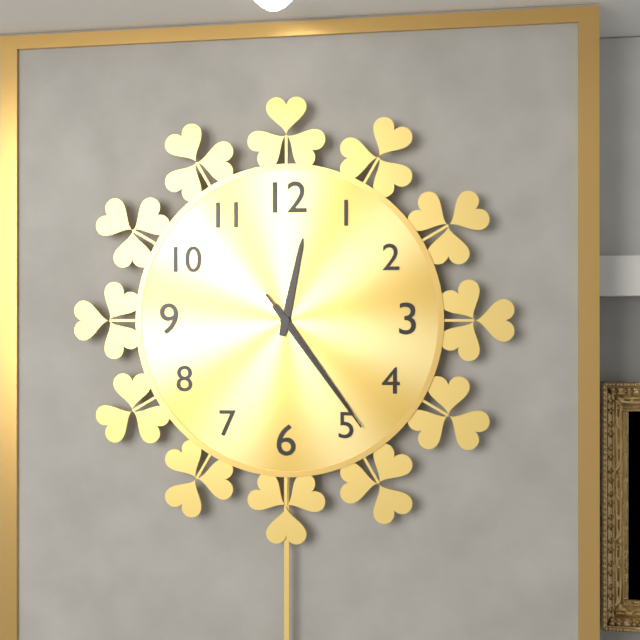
12:24:24
